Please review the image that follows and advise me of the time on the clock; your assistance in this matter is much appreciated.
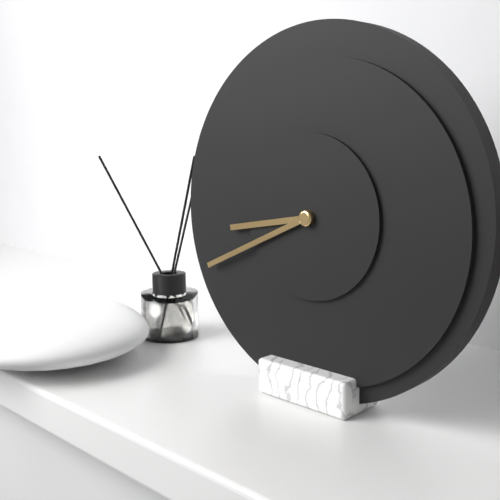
8:41
